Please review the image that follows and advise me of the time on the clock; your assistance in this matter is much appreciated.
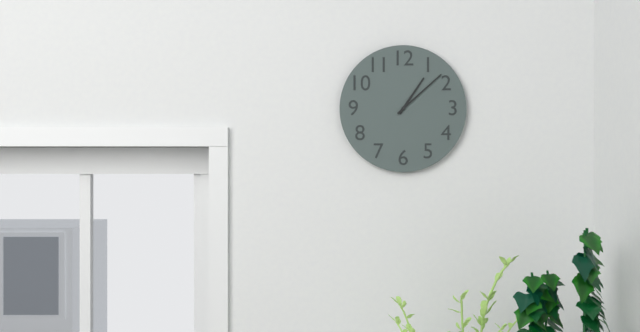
1:08
